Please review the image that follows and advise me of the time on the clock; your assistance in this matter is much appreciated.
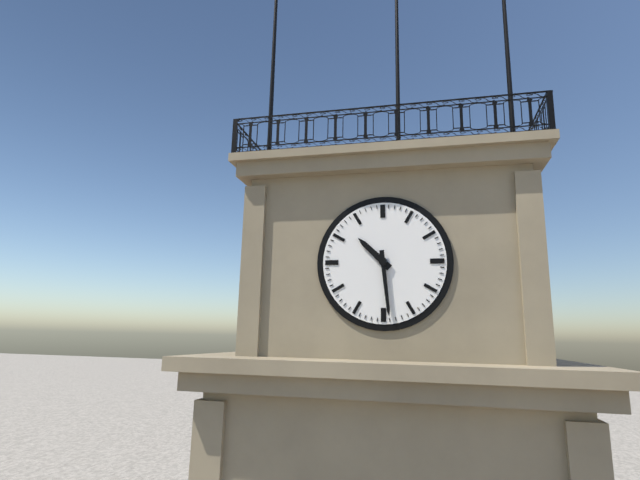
10:29
